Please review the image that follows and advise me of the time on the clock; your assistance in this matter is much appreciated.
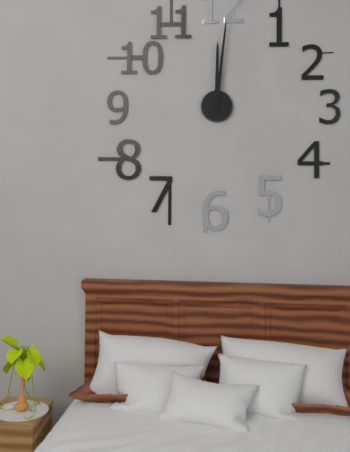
12:01
